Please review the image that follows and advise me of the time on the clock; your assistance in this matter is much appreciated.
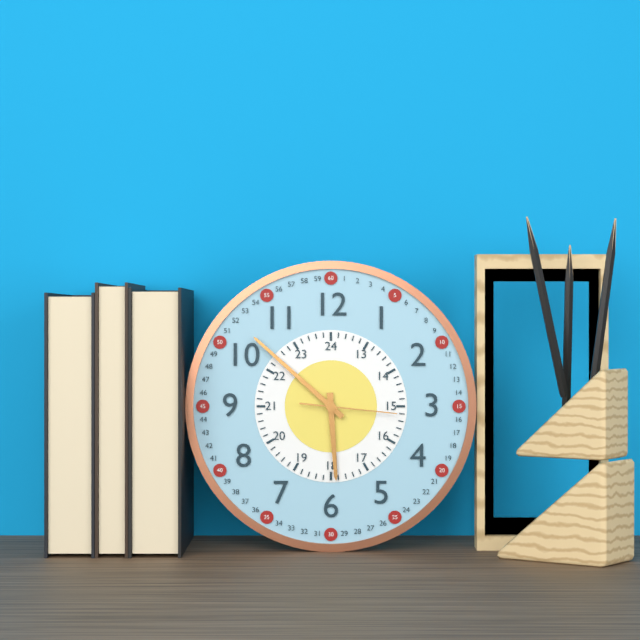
5:52:16
